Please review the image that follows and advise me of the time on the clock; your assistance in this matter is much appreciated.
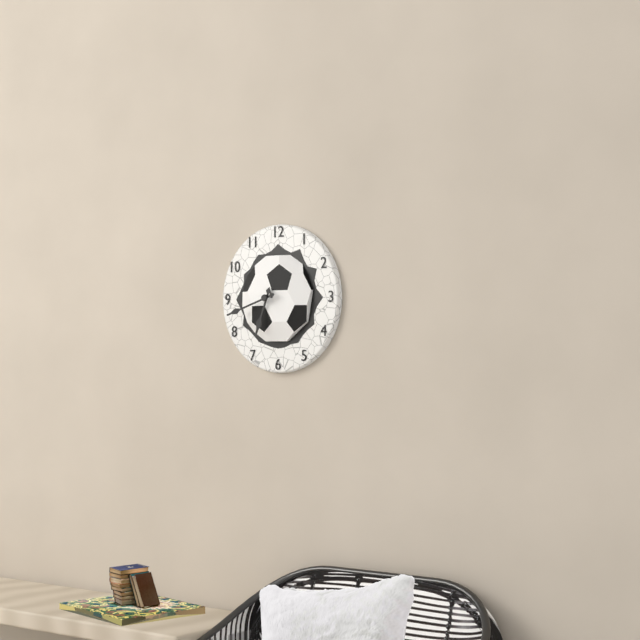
6:42
